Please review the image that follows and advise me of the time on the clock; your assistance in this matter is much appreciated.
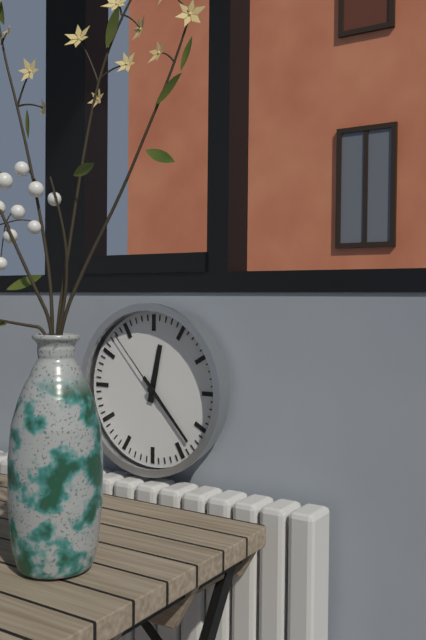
12:23:53
